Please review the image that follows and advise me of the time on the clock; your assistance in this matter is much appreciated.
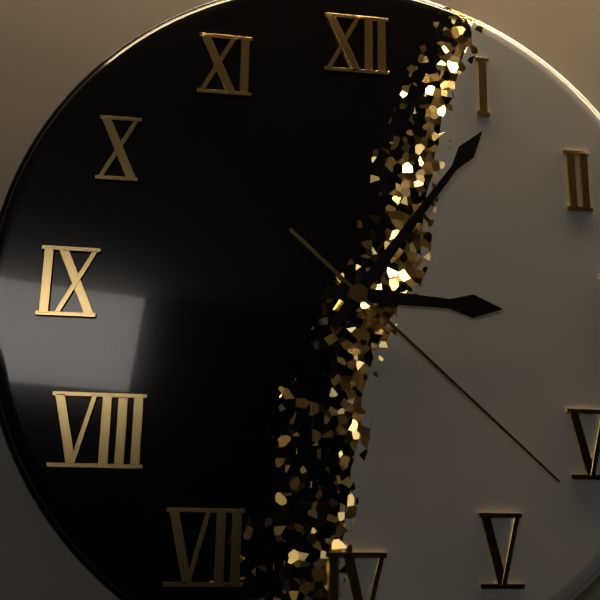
3:06:22
